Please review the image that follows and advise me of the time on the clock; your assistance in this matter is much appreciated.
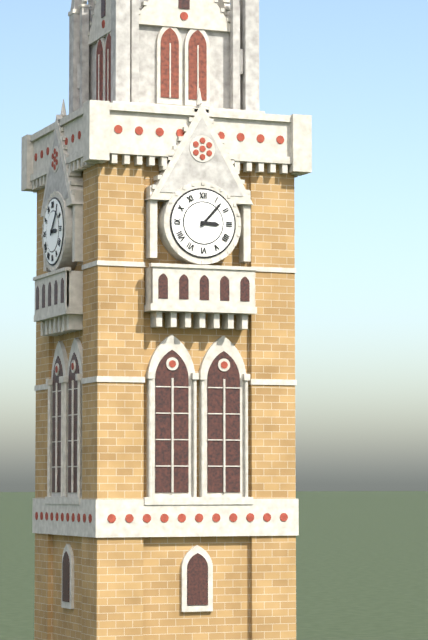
3:07
